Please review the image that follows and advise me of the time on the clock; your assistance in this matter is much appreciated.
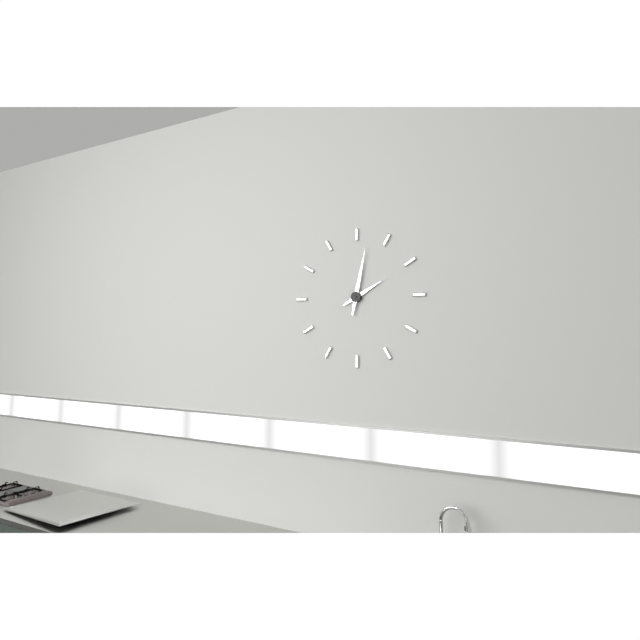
2:02
